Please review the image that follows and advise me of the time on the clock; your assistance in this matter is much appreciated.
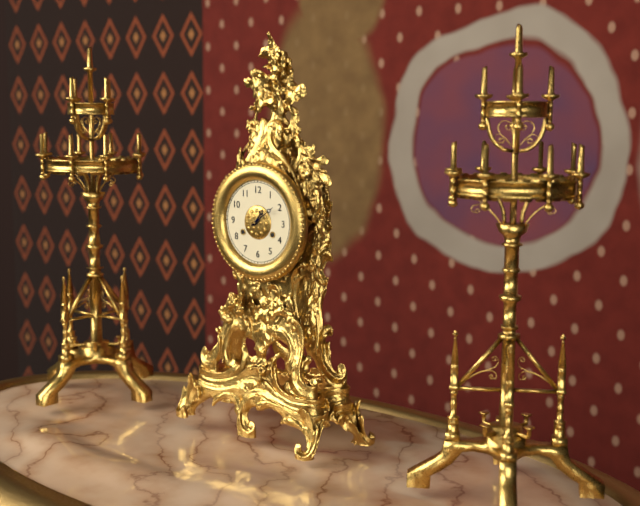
1:09
